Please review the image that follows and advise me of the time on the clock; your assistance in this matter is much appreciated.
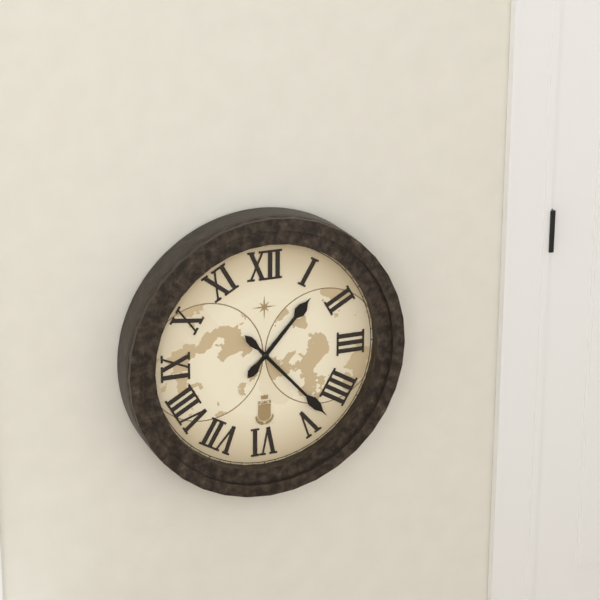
1:23
